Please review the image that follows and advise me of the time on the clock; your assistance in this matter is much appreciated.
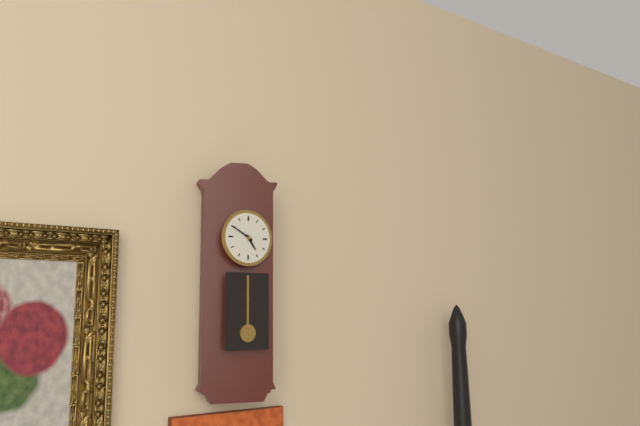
4:50
